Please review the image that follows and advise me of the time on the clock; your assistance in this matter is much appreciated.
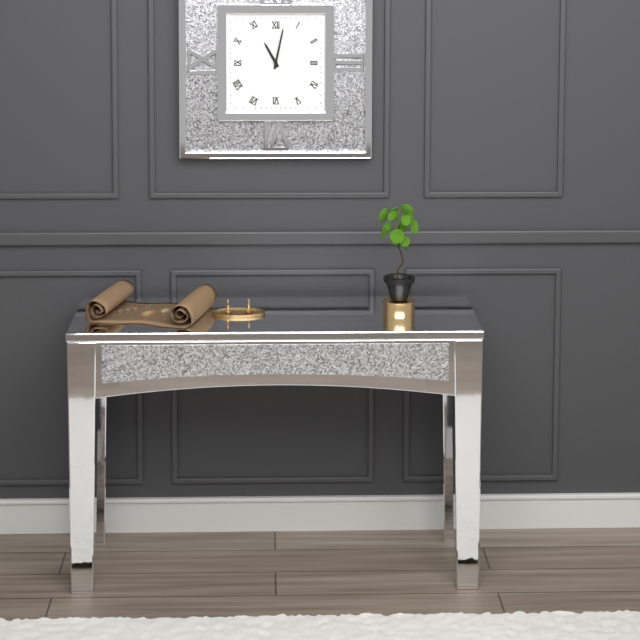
11:02
